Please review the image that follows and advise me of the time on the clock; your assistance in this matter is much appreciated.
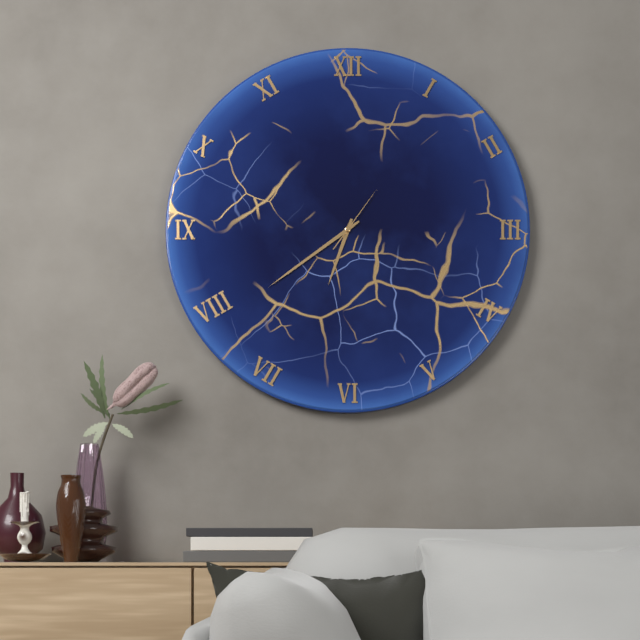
6:39:06
